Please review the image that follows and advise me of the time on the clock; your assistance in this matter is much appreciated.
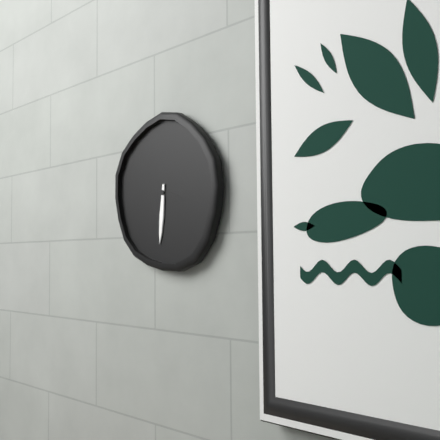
3:31
